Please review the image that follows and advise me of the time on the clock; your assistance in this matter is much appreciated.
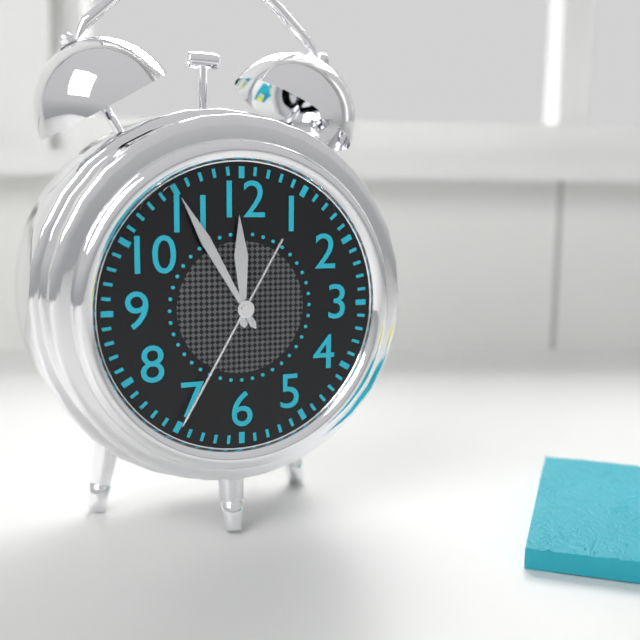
11:55:35
